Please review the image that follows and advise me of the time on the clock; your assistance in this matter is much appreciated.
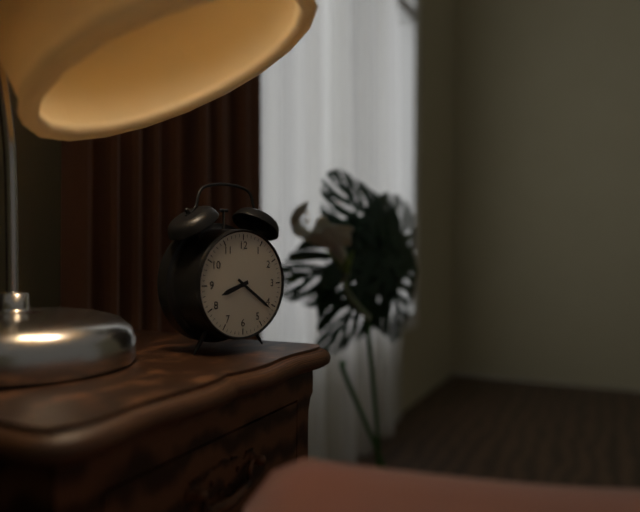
8:21
